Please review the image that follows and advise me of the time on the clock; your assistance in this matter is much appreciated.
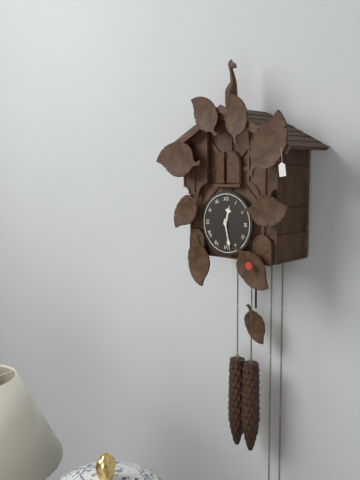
12:28
